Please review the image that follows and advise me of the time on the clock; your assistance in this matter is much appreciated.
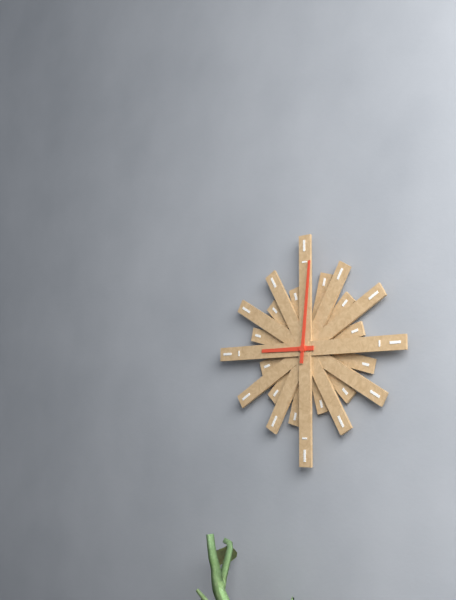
9:01
